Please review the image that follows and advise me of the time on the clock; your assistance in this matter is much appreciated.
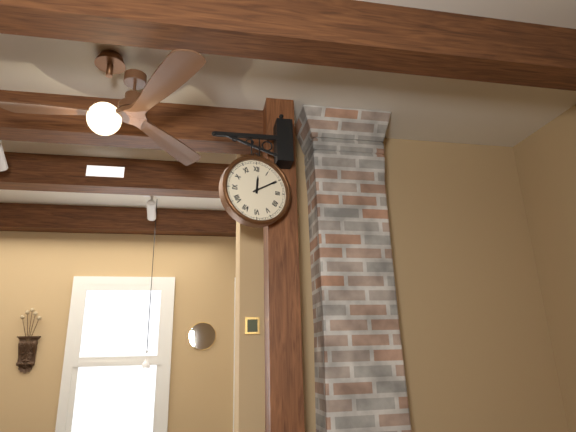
12:10
